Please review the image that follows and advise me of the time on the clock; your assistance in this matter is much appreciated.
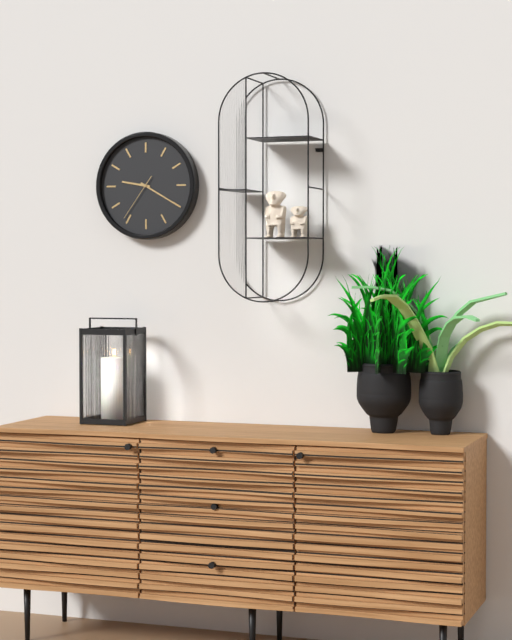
9:20:36
